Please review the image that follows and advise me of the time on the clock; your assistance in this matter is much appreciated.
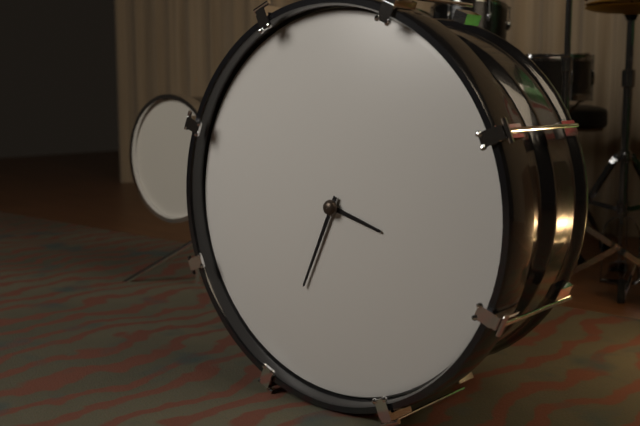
3:34
